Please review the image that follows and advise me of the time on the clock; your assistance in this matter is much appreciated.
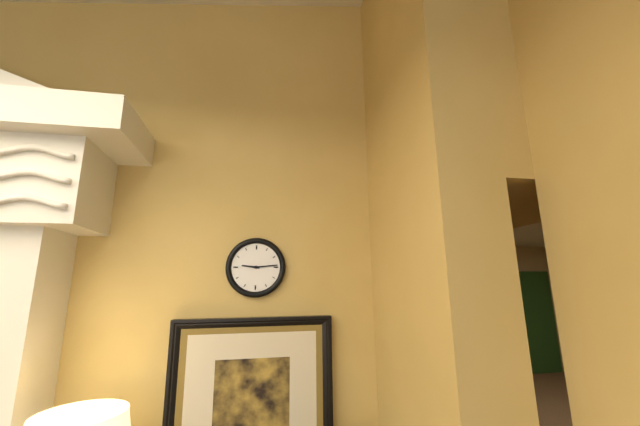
9:14
